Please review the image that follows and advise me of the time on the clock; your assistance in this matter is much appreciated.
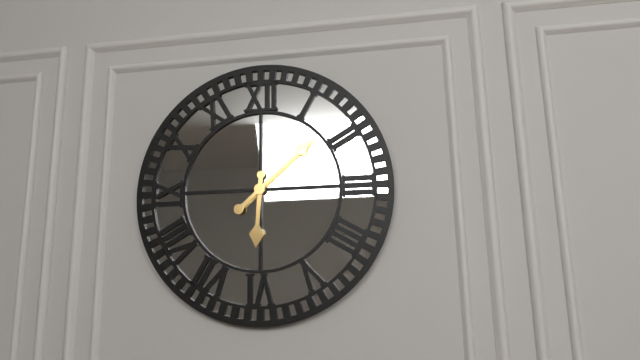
6:08
